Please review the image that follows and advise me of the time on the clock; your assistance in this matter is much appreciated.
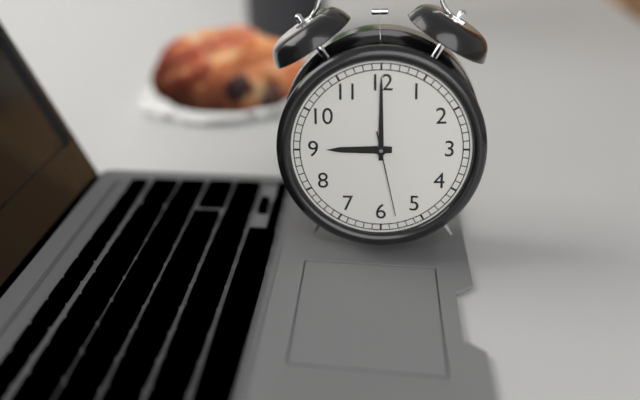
9:00:28
